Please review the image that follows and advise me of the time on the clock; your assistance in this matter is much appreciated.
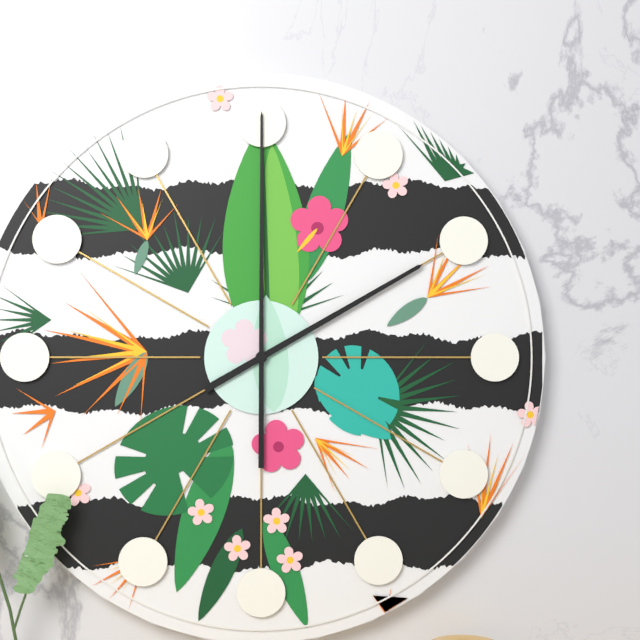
2:00
